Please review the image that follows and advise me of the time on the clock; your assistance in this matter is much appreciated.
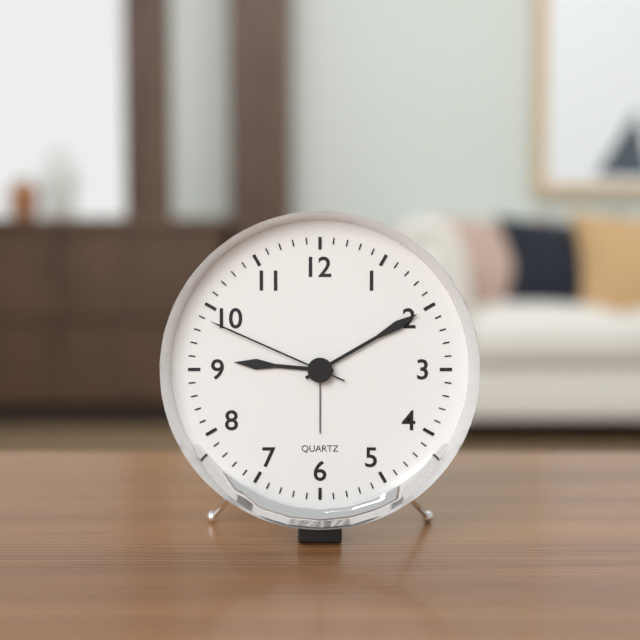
9:10:49
